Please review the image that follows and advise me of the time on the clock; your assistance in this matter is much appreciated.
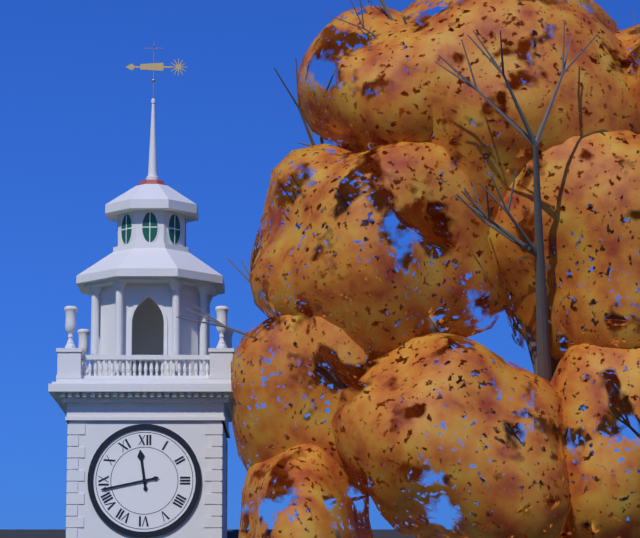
11:43
